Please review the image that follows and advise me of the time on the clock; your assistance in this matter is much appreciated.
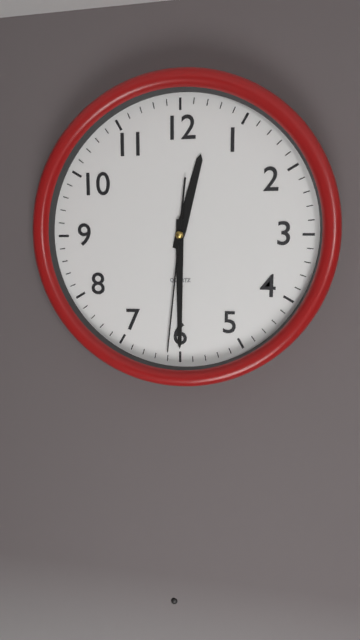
12:30:31
